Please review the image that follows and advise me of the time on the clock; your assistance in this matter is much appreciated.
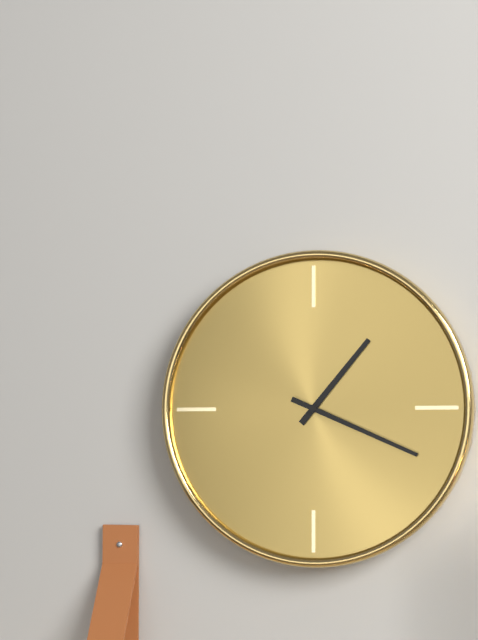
1:19
